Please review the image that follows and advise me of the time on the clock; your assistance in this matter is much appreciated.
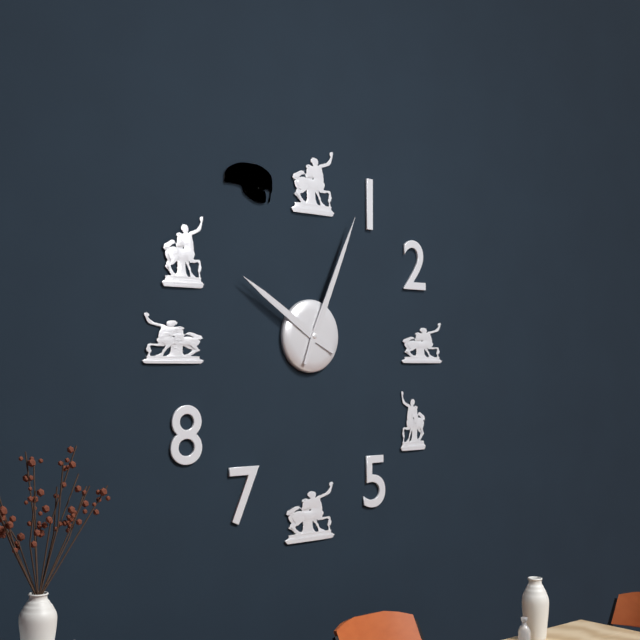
10:04
